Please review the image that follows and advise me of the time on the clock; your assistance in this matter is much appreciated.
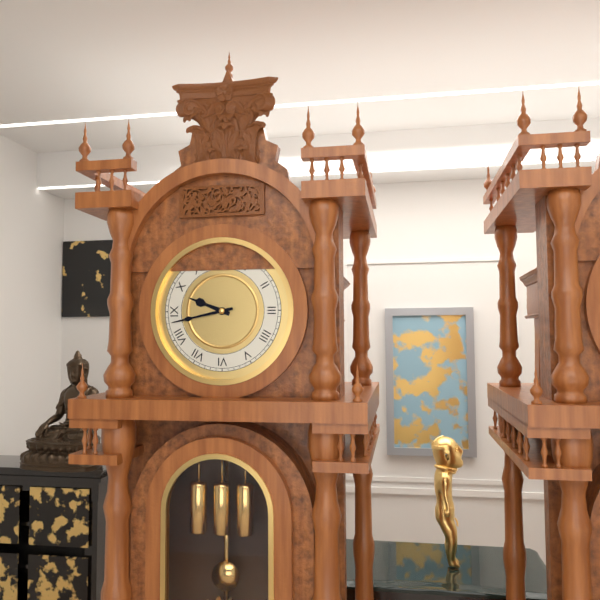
9:43
